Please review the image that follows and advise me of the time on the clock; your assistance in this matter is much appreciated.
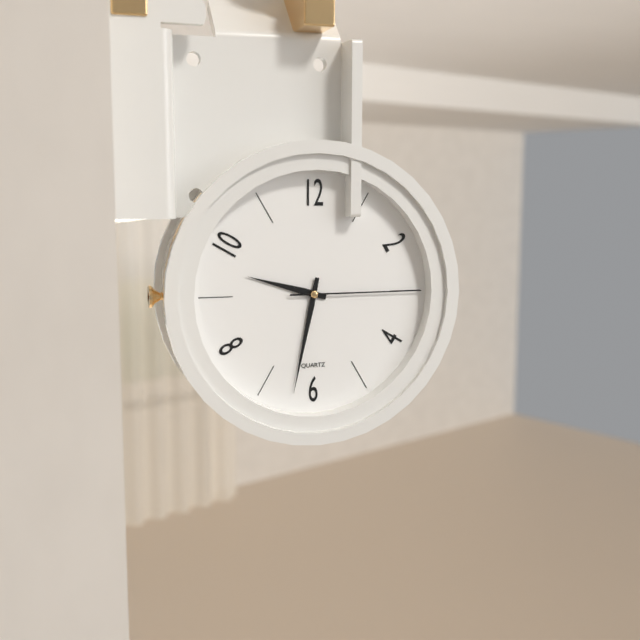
9:32:15
